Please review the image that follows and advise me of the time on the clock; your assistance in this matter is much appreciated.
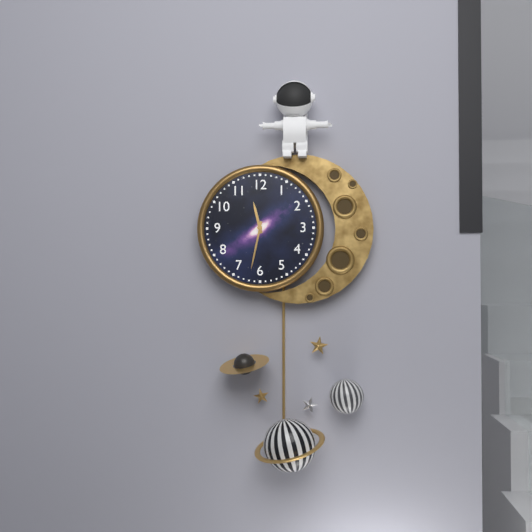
11:32
